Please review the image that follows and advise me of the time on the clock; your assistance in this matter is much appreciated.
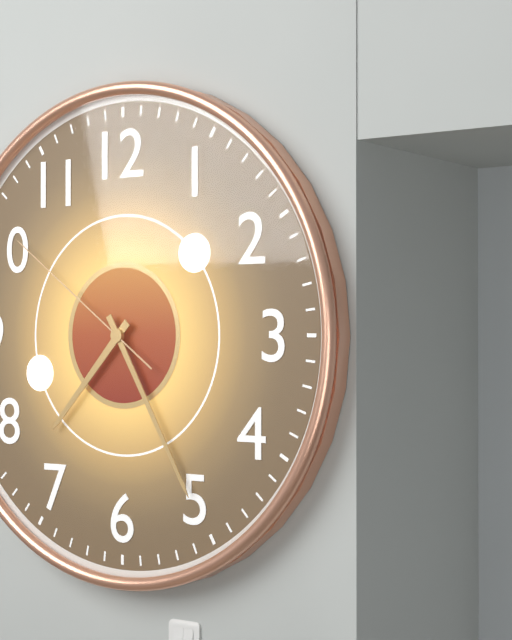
7:25:51
